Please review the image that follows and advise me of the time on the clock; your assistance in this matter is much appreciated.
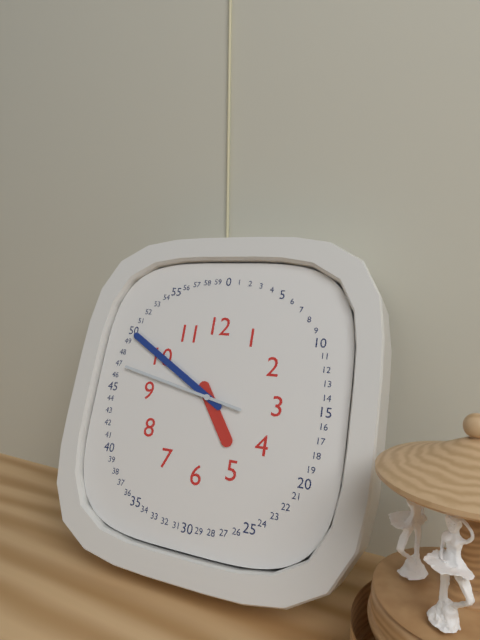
4:50:47
